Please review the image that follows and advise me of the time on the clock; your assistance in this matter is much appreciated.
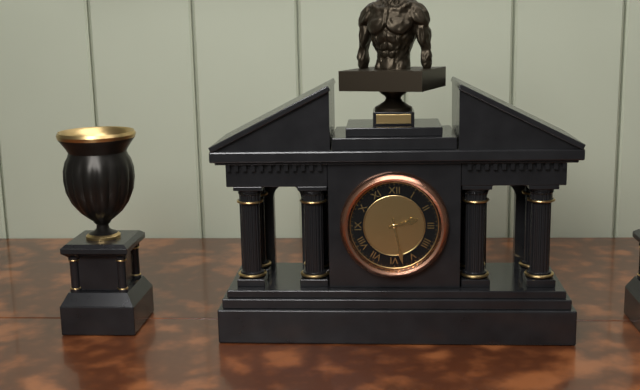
2:28
